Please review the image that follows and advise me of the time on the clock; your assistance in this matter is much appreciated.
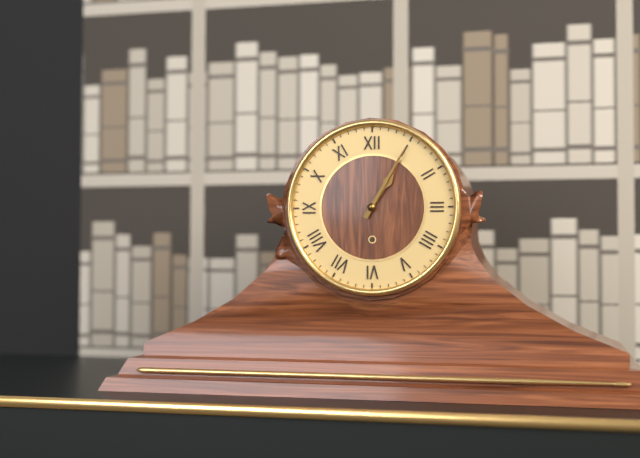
1:05
